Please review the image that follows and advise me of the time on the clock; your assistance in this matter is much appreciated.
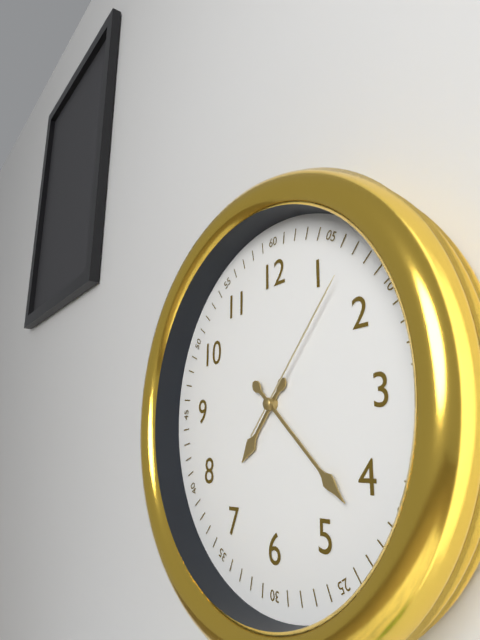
7:22:07
